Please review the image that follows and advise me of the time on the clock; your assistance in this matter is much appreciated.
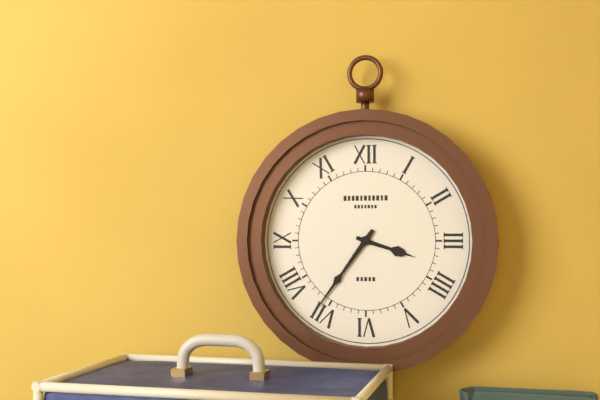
3:36
